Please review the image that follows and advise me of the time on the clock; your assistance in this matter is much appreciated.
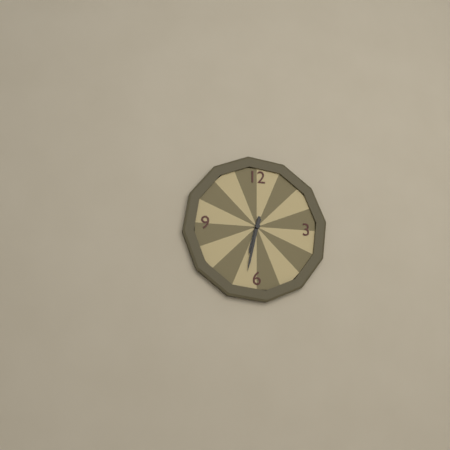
6:32
